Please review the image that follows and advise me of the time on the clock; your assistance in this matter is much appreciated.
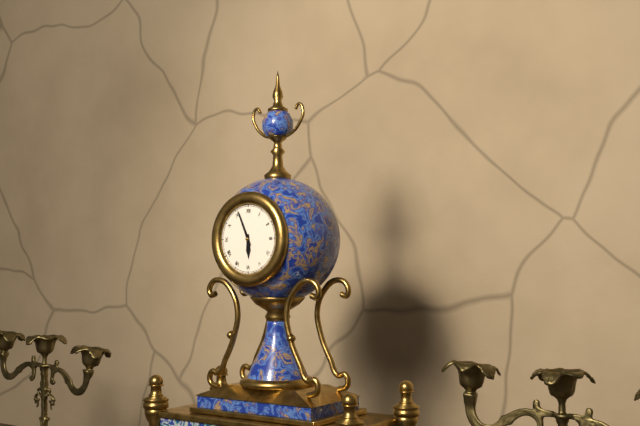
5:56
